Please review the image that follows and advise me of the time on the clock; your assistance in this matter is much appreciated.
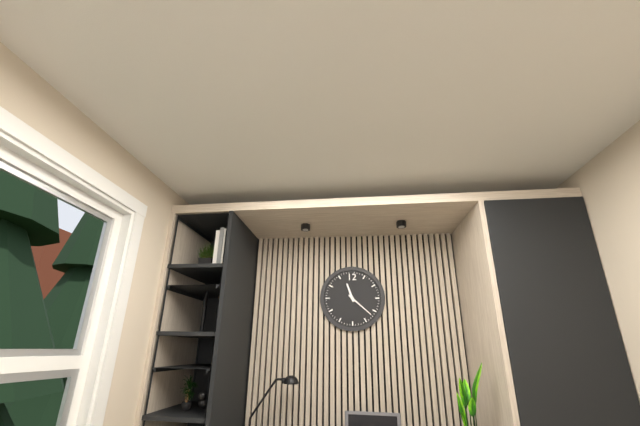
11:22
